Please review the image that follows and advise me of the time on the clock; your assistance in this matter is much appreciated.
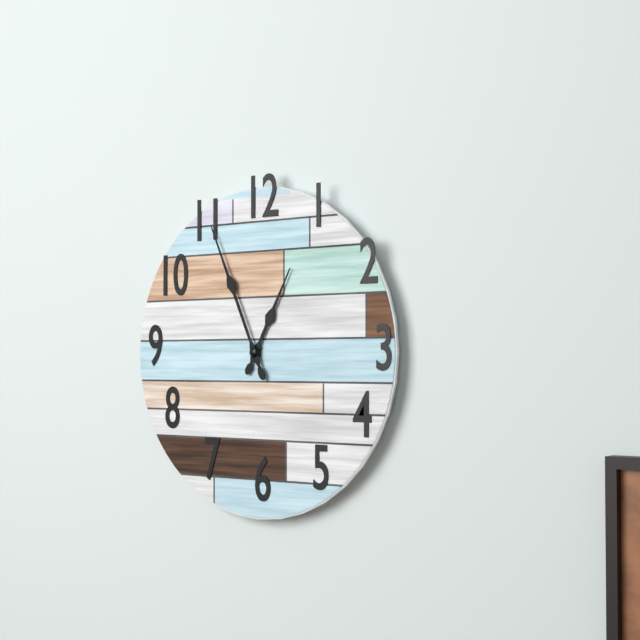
12:56
